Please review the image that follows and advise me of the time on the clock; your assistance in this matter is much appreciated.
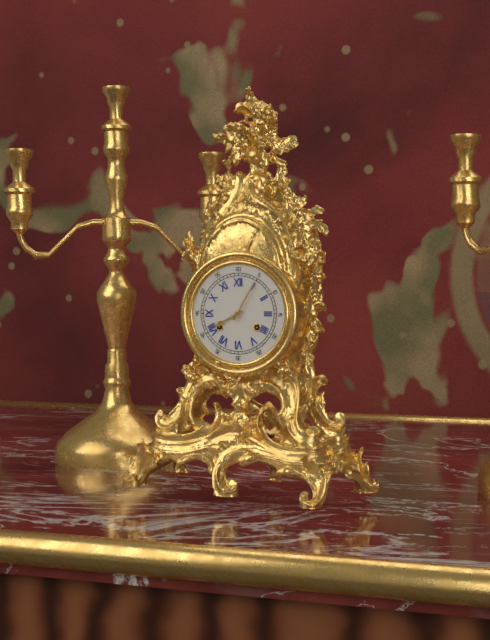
8:05
